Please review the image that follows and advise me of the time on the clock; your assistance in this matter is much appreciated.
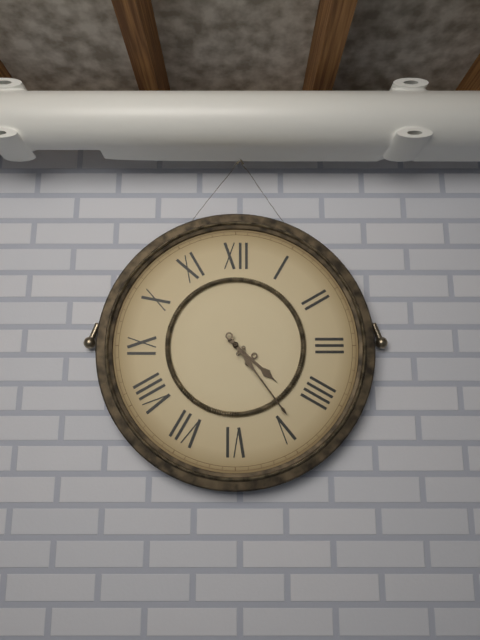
4:24
